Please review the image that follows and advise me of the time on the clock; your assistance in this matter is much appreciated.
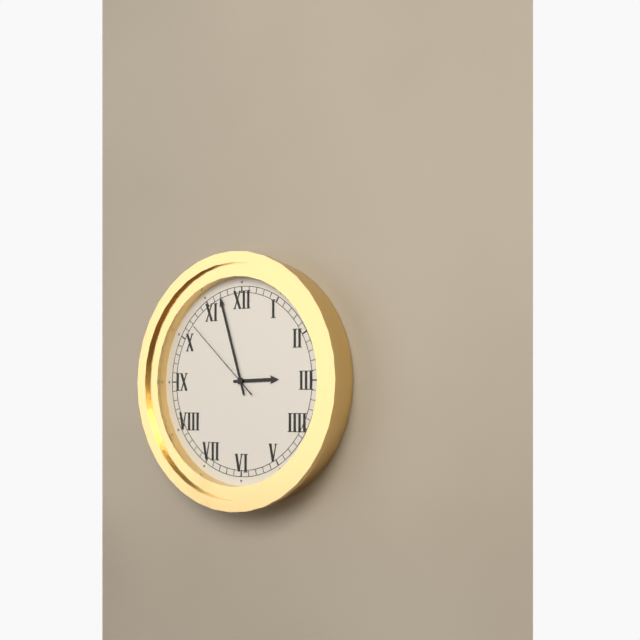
2:57:52
